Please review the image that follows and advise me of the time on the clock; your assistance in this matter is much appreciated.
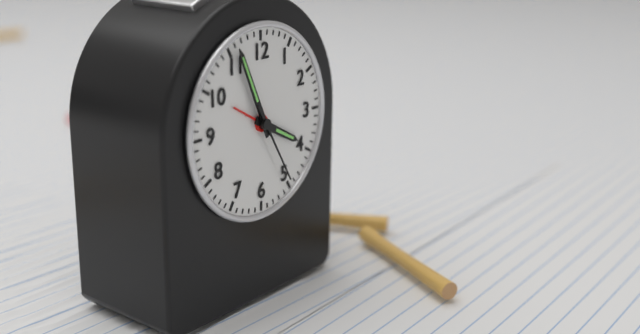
3:56:25
